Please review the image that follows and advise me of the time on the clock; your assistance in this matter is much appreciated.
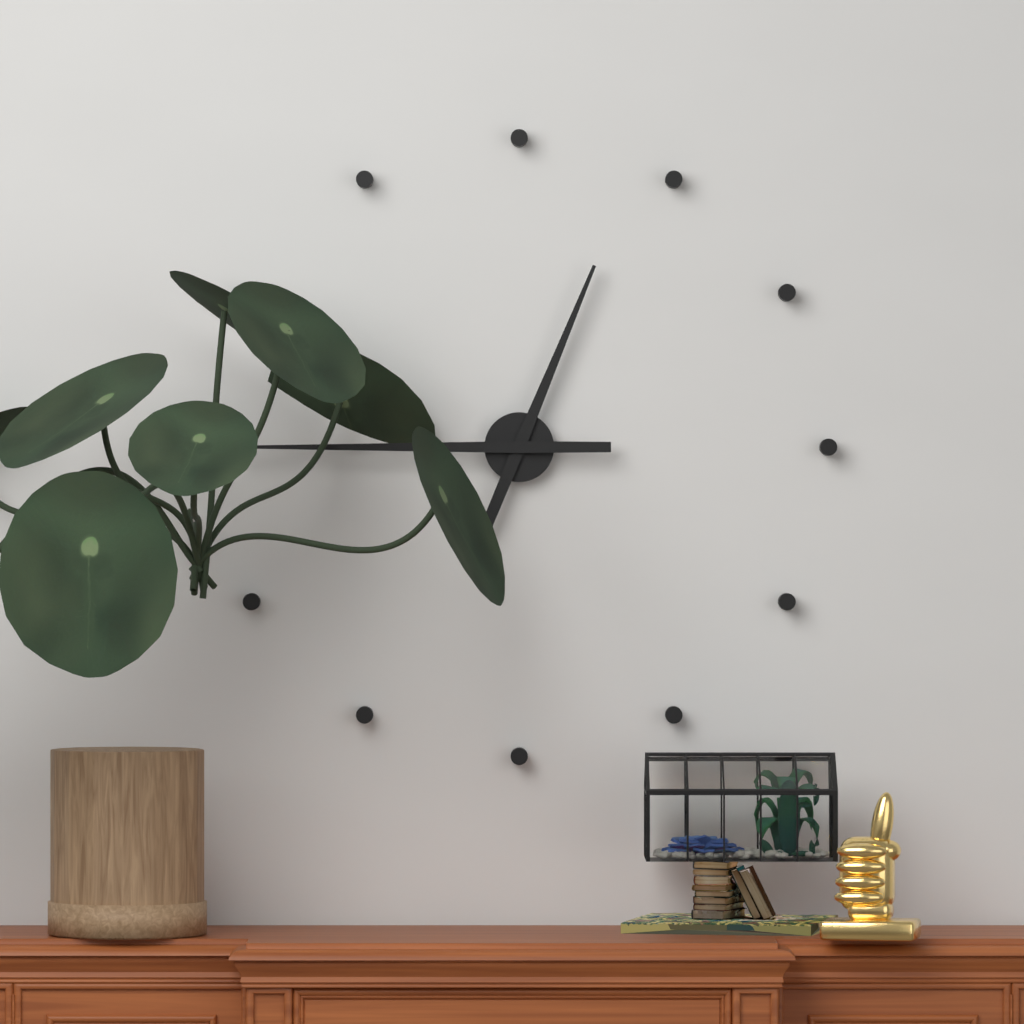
12:45
